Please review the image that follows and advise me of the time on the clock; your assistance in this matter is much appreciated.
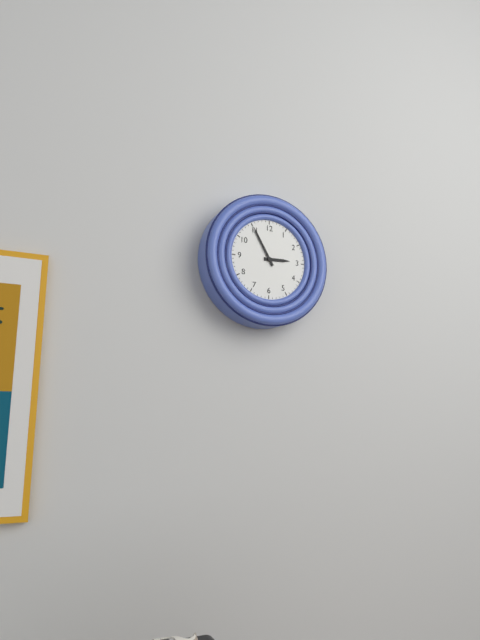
2:55
